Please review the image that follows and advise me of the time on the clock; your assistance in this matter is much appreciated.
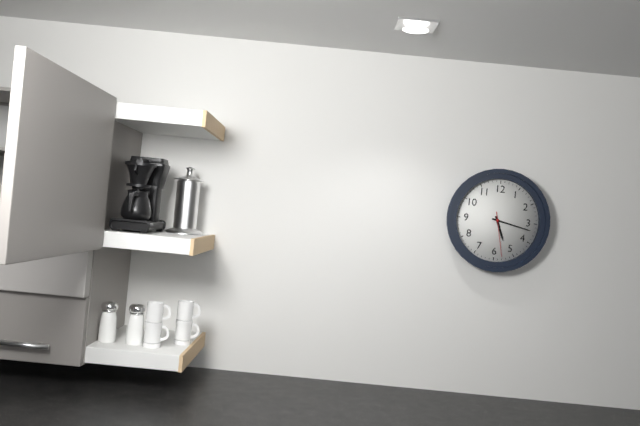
5:17
